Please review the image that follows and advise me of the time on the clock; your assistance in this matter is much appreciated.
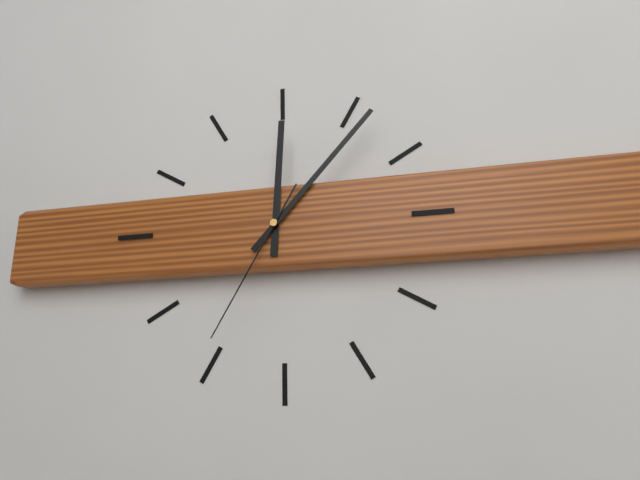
12:07:35
